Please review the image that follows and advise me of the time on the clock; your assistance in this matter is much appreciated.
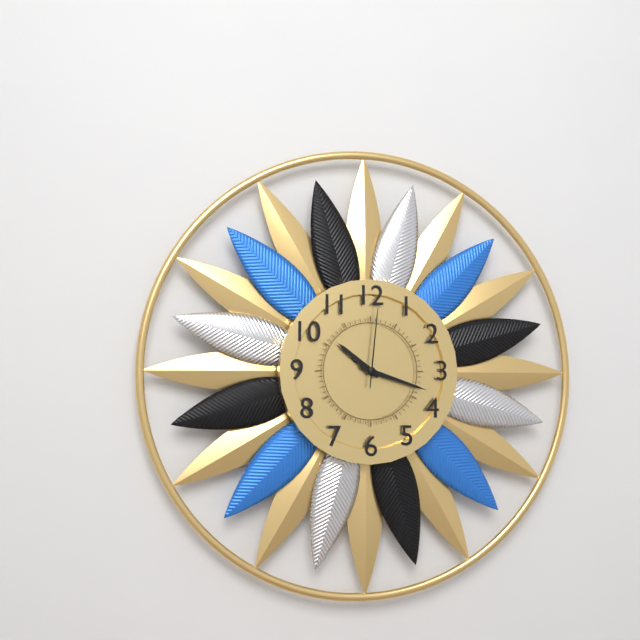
10:18:01
